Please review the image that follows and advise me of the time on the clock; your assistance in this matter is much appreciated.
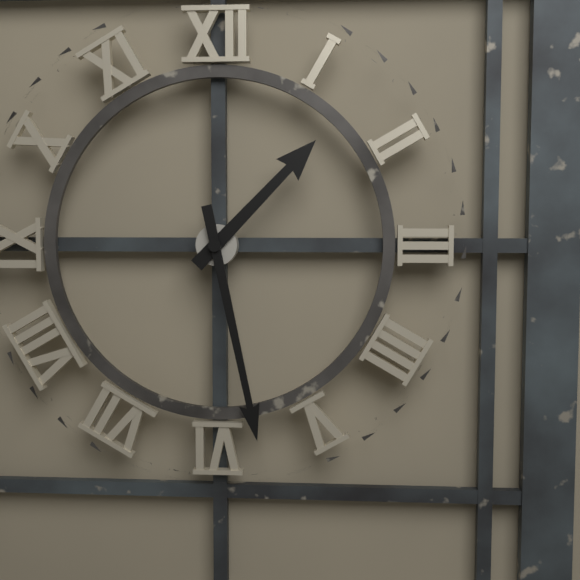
1:28
